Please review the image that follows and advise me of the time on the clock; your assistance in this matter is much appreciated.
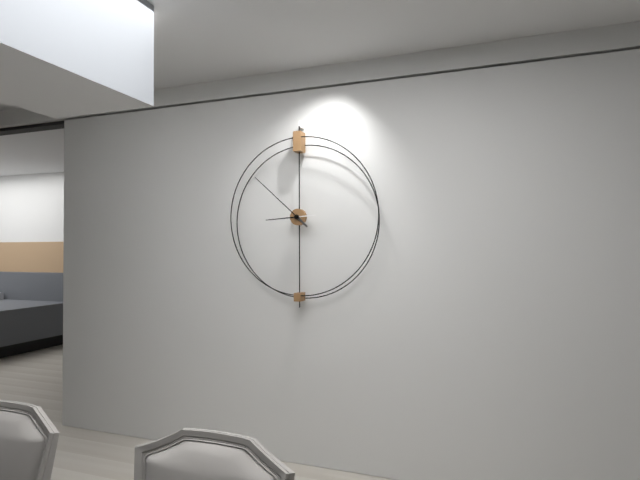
8:52
